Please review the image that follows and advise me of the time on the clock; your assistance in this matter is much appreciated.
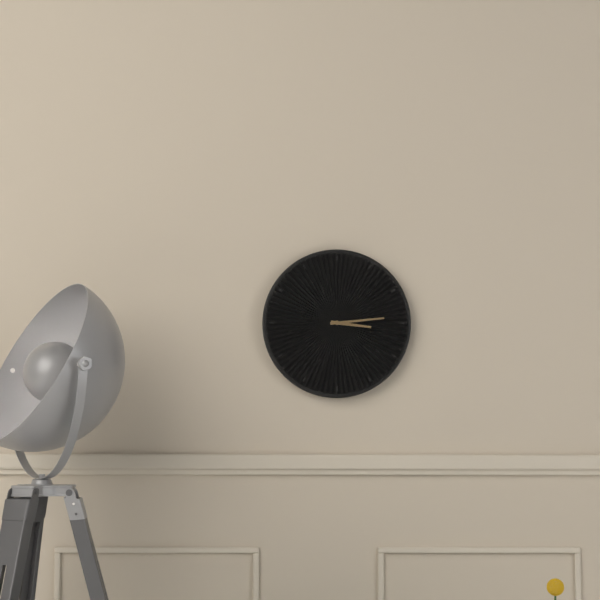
3:14
